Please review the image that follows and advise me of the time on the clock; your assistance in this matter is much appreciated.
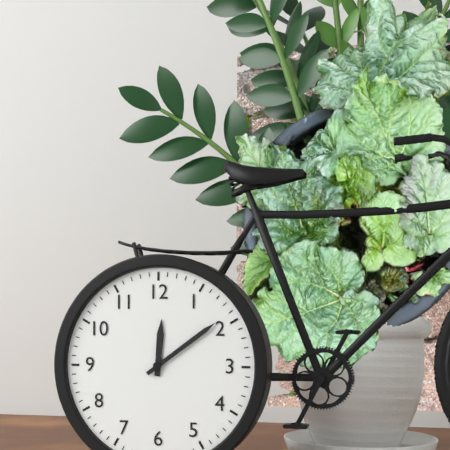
12:09
